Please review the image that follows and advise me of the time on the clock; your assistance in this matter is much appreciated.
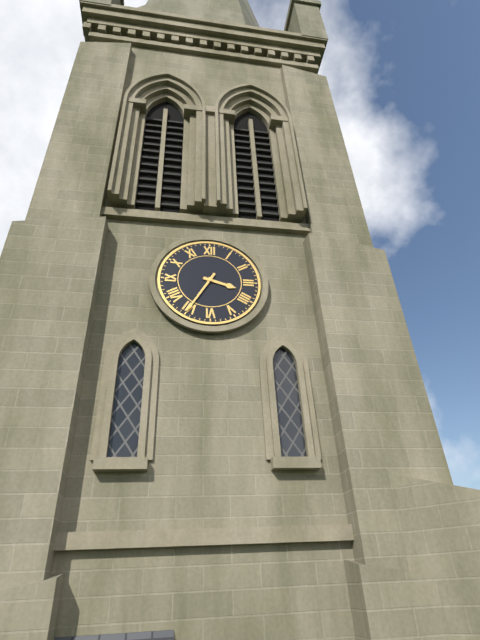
3:35
